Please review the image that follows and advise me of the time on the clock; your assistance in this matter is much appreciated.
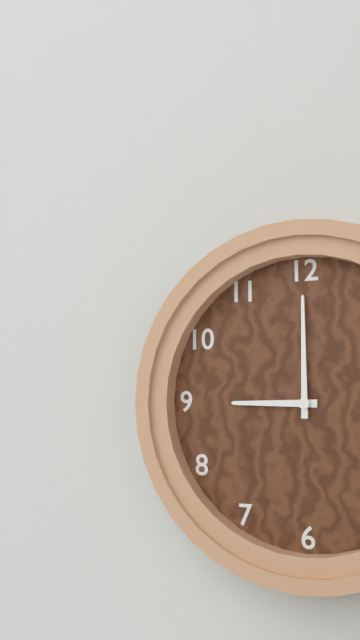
9:00
